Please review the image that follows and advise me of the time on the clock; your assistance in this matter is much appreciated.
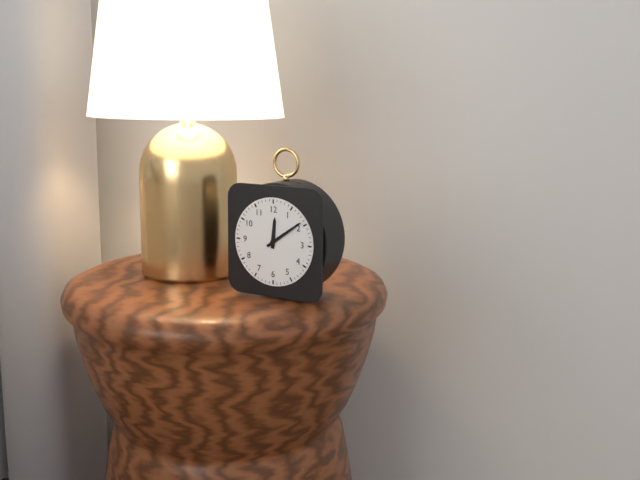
12:09
